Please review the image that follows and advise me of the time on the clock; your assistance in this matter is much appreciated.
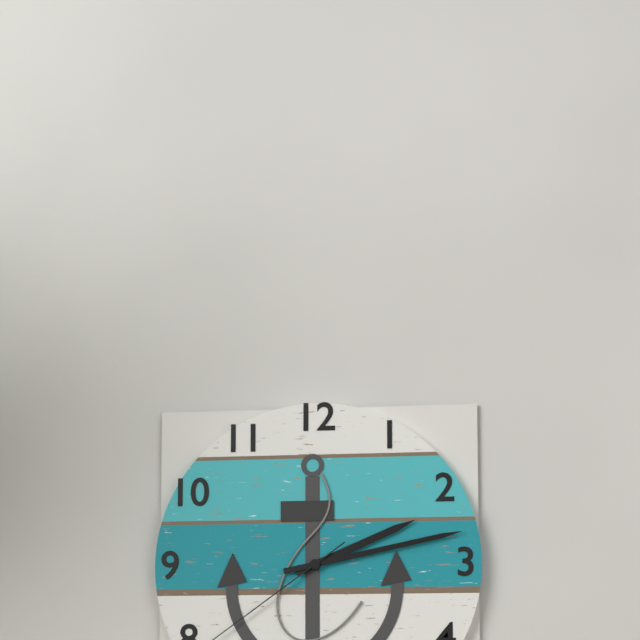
2:13
